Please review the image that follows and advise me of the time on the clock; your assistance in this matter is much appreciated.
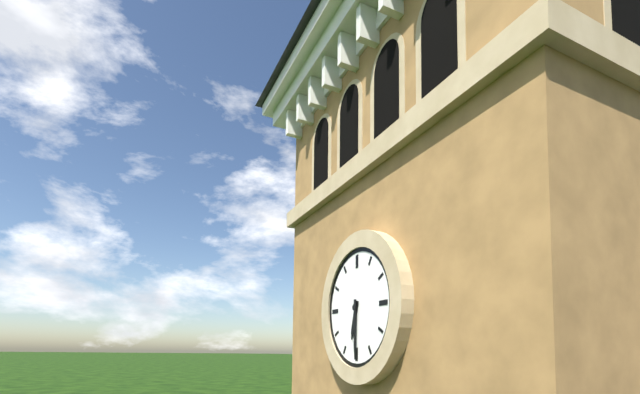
6:30
